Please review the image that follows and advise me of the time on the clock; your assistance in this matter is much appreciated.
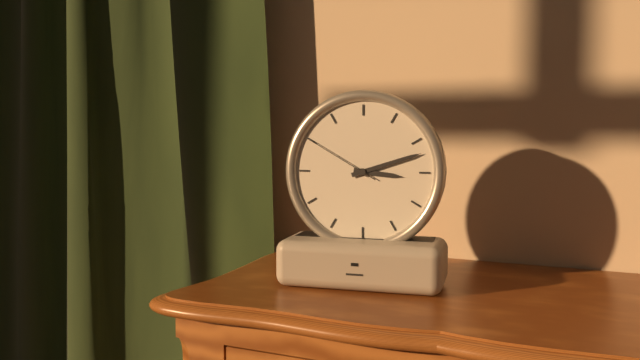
3:12:50
